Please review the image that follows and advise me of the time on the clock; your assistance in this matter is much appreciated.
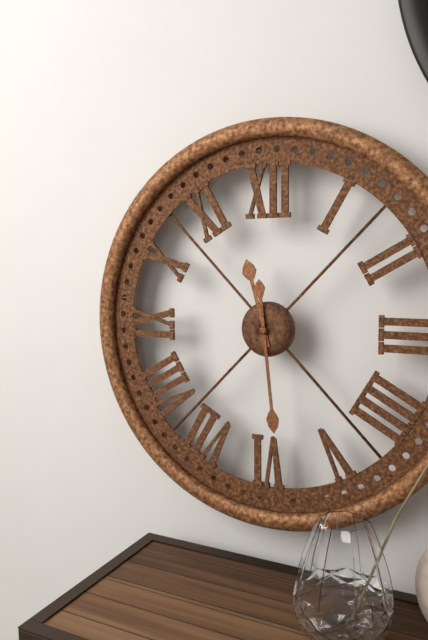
11:29
